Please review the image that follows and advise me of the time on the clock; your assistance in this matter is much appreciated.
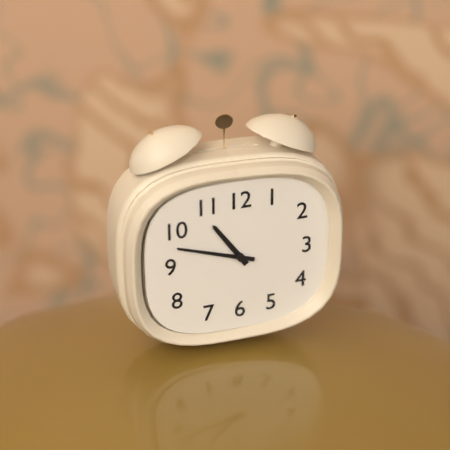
10:48
